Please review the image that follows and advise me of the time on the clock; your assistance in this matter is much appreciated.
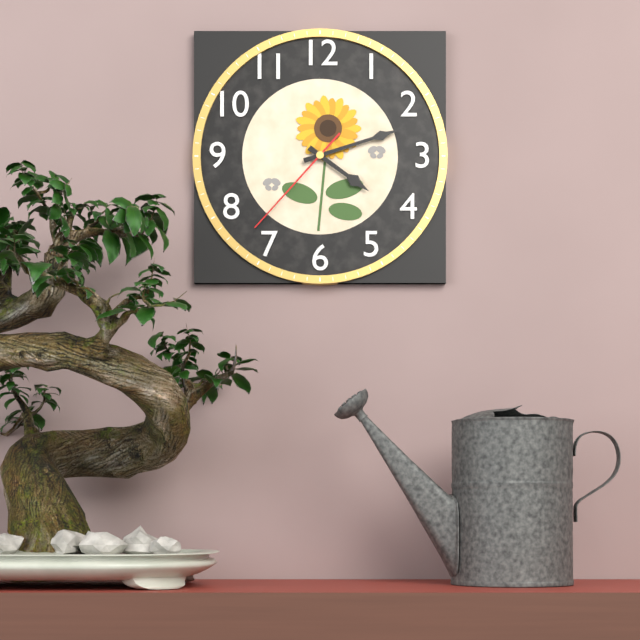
4:12:37
